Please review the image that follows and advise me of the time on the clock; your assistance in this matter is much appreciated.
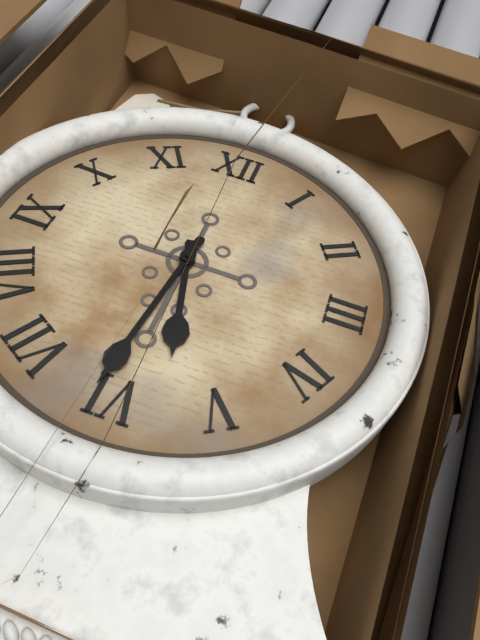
5:31
